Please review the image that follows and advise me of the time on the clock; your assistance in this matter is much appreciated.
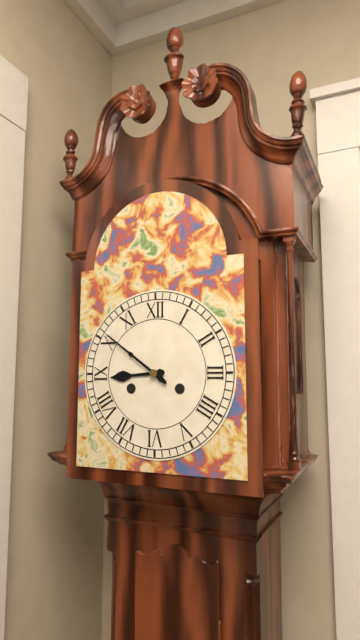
8:51
